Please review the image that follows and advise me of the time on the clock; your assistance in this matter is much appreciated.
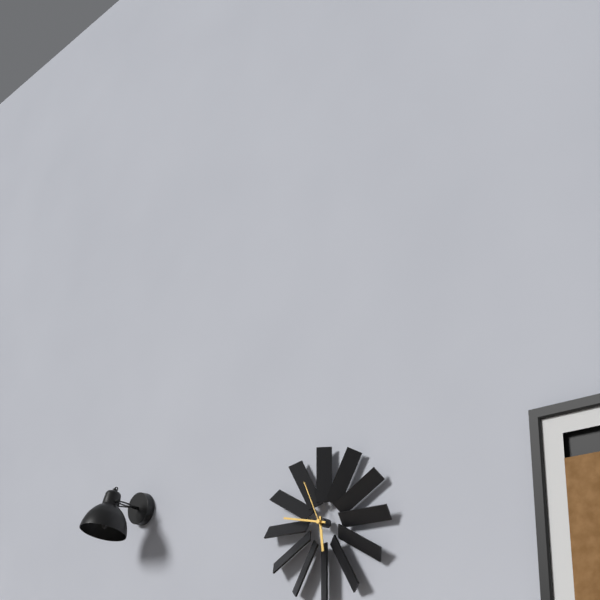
5:47:56
